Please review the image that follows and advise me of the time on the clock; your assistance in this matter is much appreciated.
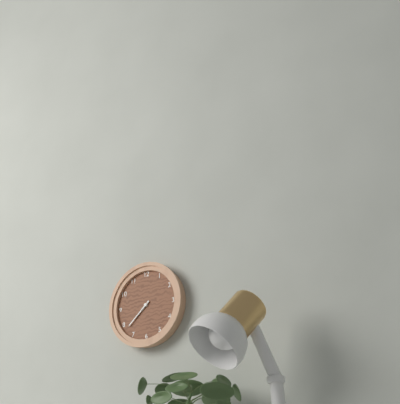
7:38
